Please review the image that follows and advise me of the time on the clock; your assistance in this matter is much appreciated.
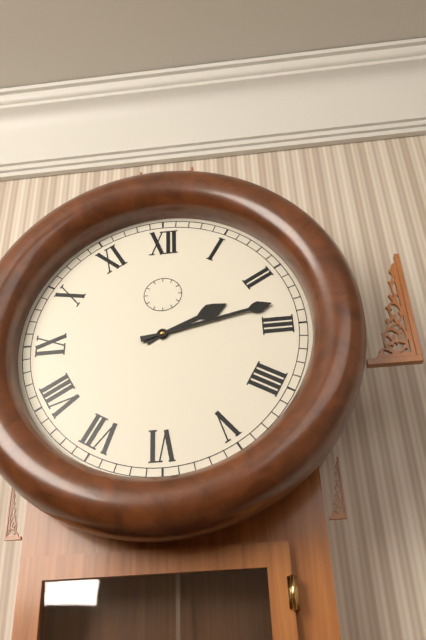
2:13
